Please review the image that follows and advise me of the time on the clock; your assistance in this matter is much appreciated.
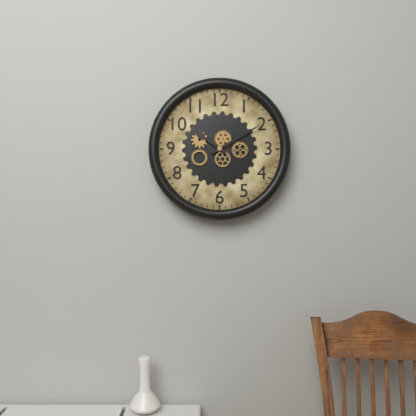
10:10
